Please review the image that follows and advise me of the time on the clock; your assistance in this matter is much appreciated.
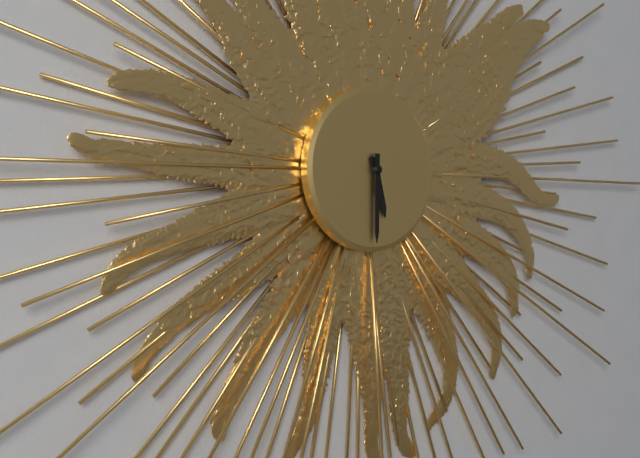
5:30
